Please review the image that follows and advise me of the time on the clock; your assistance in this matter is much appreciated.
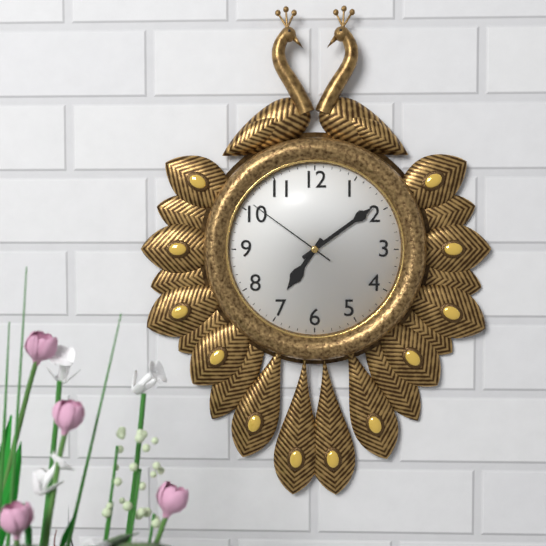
7:09:51
